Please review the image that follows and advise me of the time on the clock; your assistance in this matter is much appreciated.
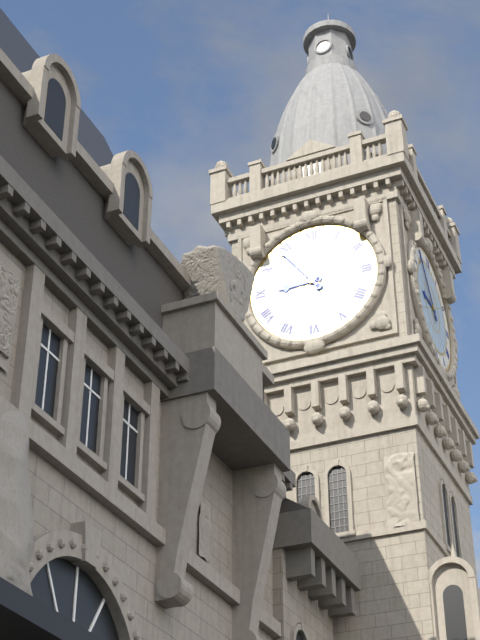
8:54
